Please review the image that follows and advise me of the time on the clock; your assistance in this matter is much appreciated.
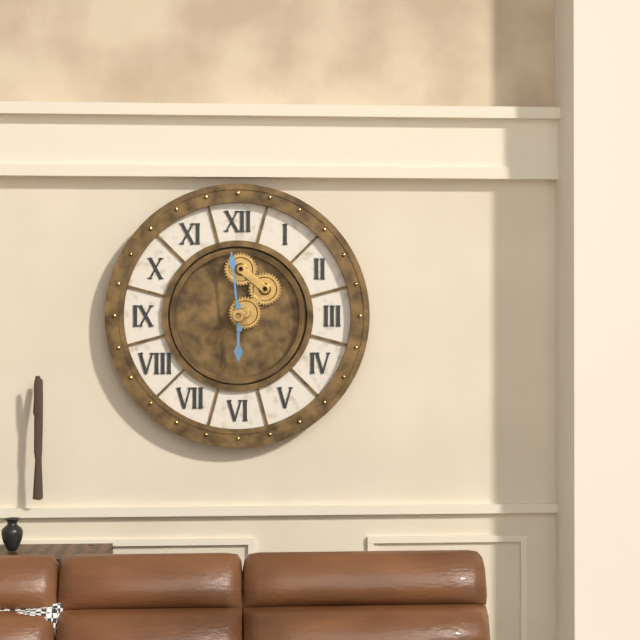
5:59
